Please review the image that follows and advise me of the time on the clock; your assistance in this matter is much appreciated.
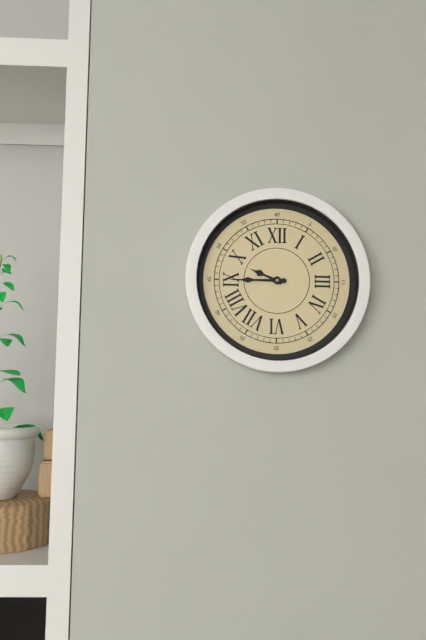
9:45
